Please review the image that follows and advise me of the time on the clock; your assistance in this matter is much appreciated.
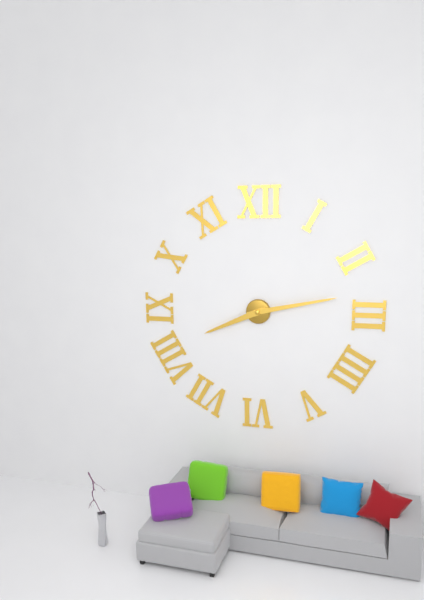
8:13
